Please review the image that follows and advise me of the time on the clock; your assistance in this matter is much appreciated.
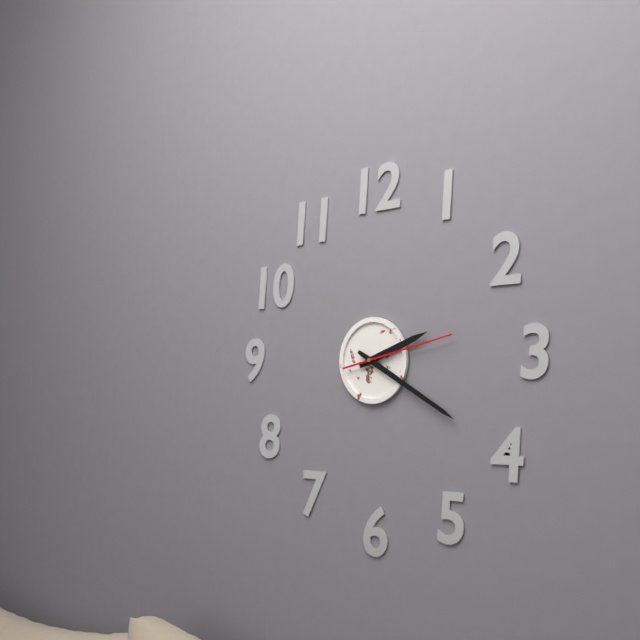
2:20:13
